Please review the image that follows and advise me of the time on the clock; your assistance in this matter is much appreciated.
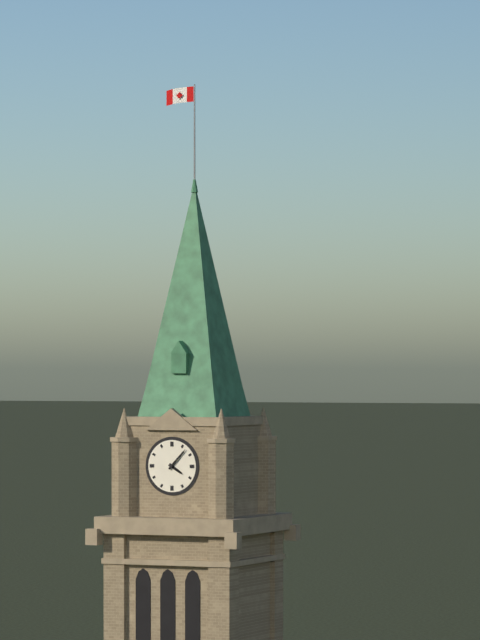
4:07
